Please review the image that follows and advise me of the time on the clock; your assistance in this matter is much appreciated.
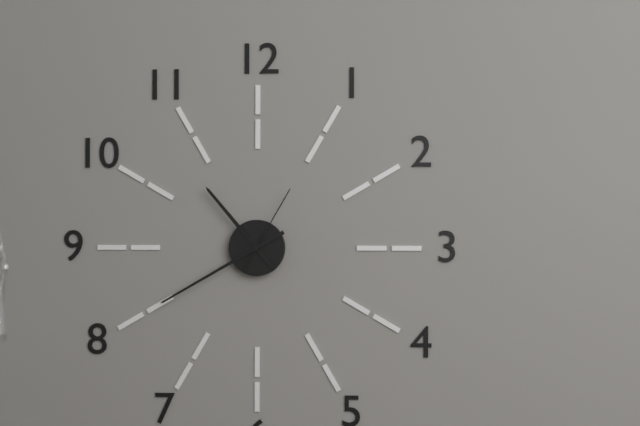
10:40:05
